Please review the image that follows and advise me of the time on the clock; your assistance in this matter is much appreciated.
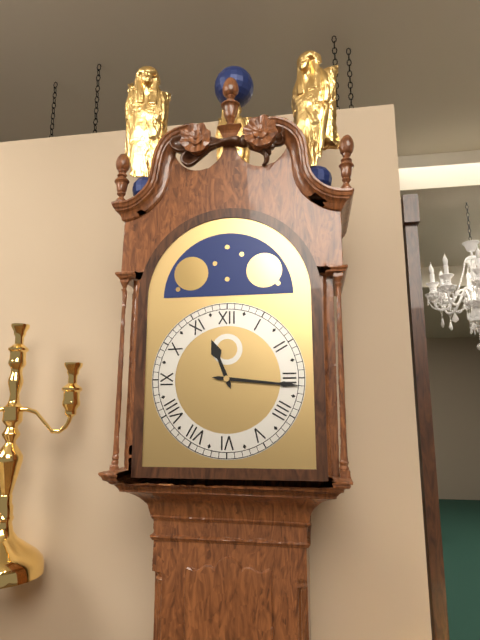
11:16
